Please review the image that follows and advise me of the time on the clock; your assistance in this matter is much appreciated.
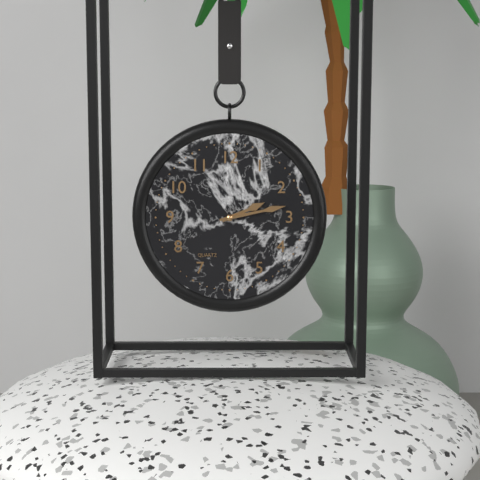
2:13
